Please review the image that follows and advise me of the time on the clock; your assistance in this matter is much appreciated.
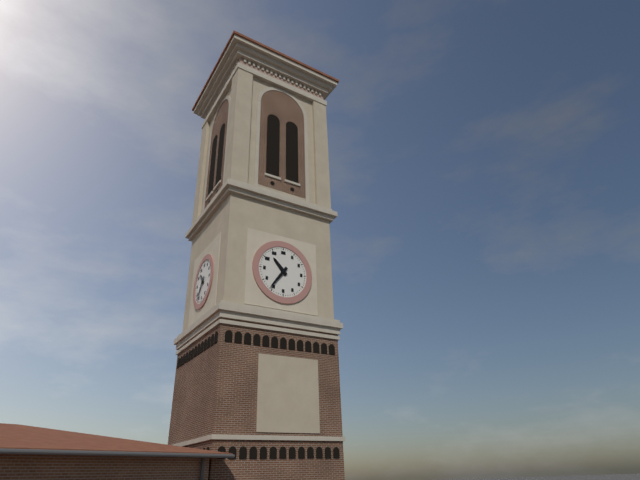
10:36
